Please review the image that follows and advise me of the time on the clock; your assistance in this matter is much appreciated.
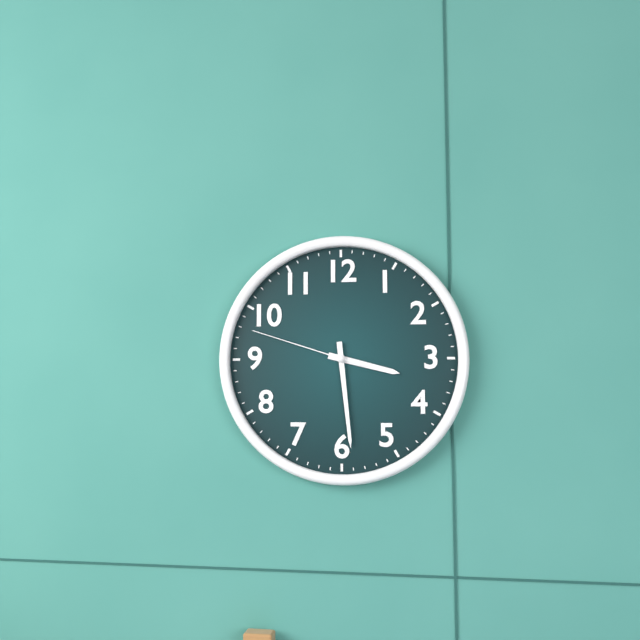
3:29:48
